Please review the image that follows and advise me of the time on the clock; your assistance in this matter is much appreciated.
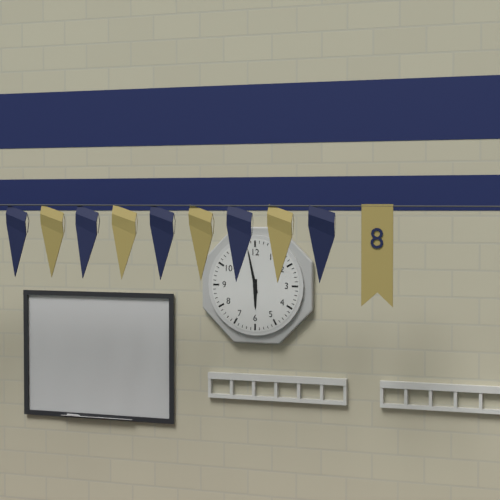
5:58
